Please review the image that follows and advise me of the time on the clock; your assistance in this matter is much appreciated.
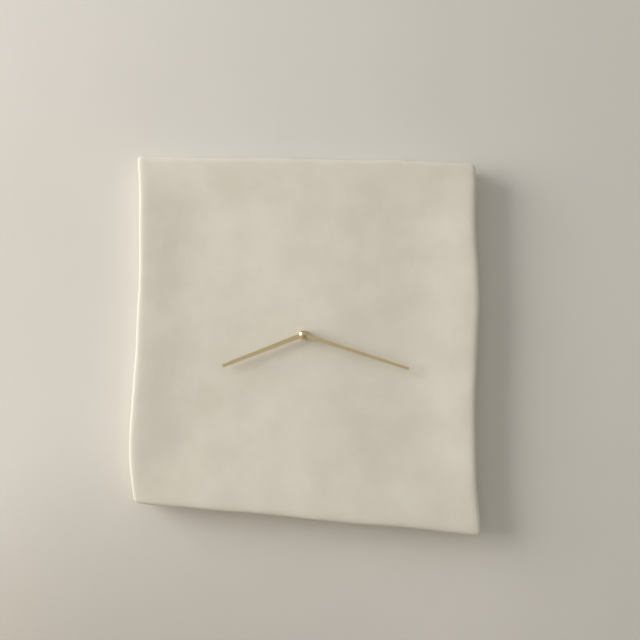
8:18
